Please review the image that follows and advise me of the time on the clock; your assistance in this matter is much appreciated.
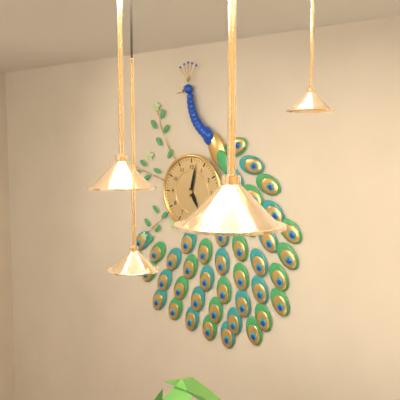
5:02
